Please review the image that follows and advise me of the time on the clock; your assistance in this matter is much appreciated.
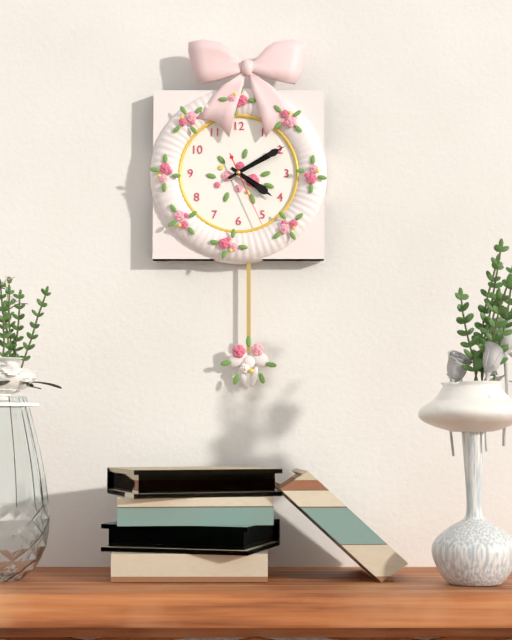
4:10:26
